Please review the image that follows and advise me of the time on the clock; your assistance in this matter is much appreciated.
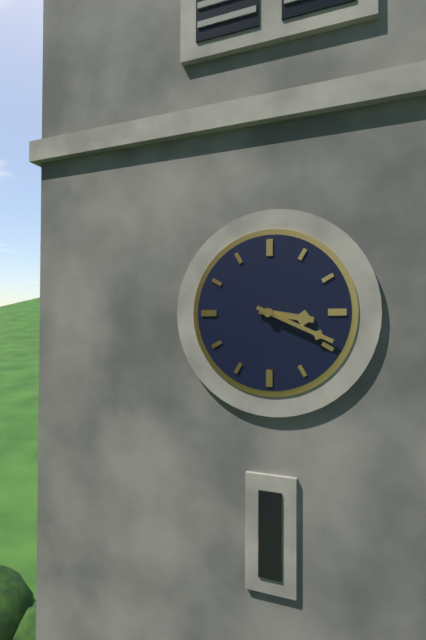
3:19
